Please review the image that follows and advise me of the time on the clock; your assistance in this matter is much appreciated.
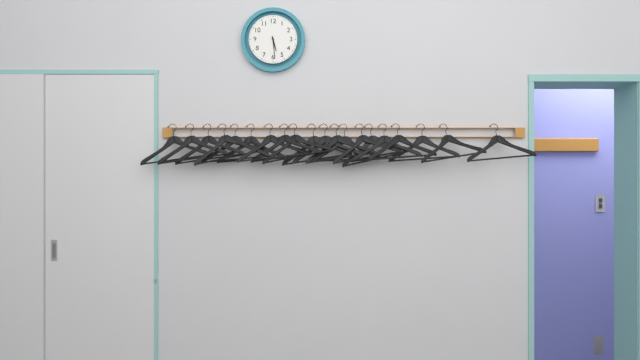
5:29
